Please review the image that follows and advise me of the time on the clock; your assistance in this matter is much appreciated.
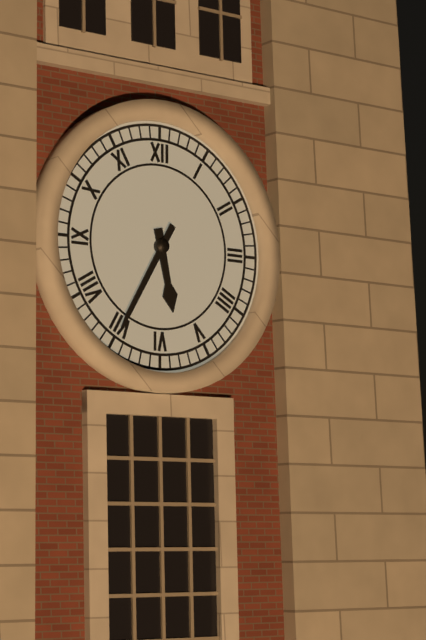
5:35
